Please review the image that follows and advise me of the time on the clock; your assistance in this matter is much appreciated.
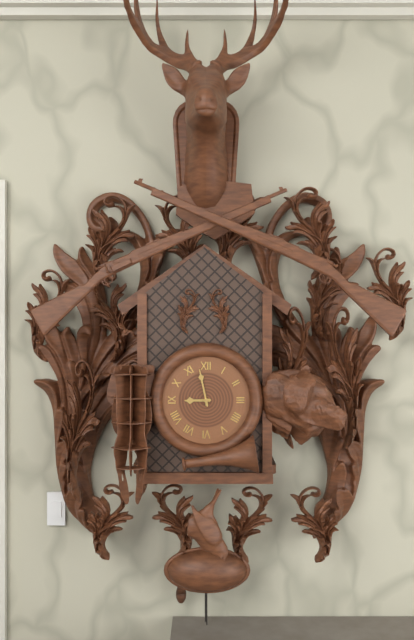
8:58
